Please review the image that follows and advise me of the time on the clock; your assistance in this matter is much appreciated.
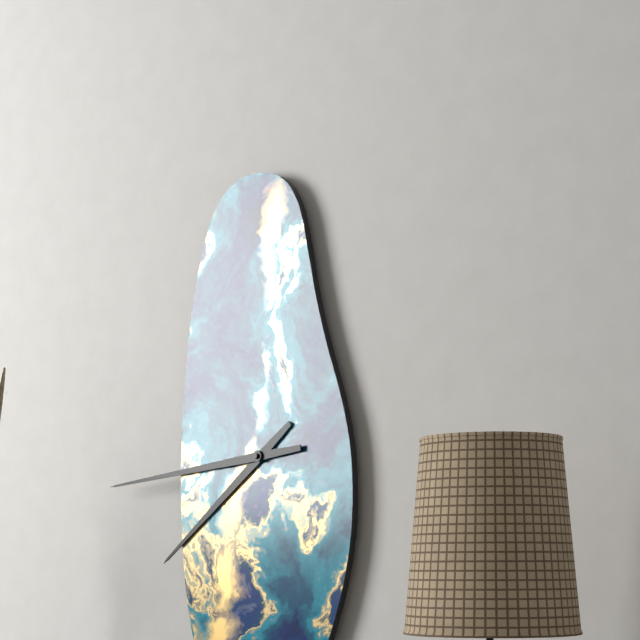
7:44
